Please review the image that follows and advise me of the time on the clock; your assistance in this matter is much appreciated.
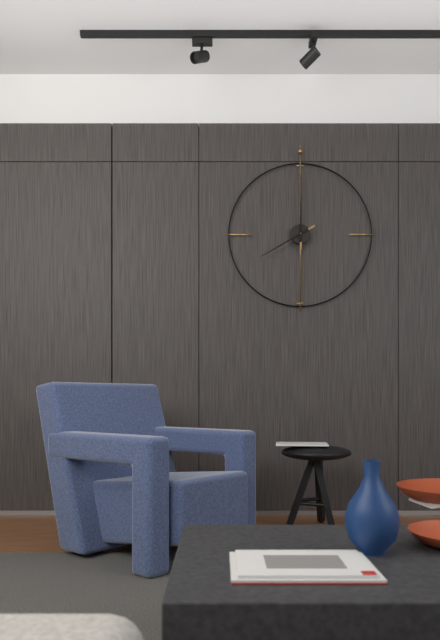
8:00
